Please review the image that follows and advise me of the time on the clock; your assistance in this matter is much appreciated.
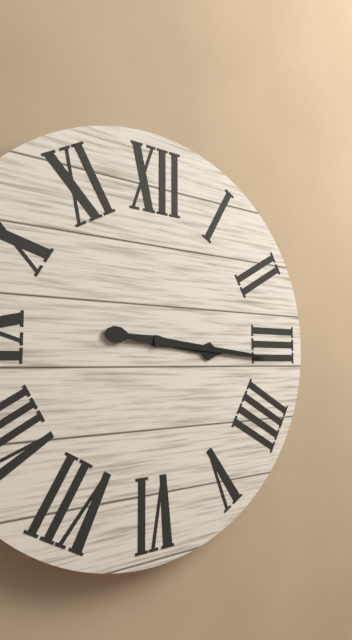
3:16
